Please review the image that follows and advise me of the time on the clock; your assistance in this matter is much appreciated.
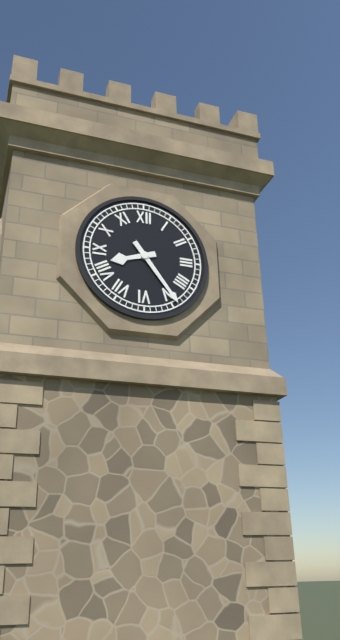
8:24
